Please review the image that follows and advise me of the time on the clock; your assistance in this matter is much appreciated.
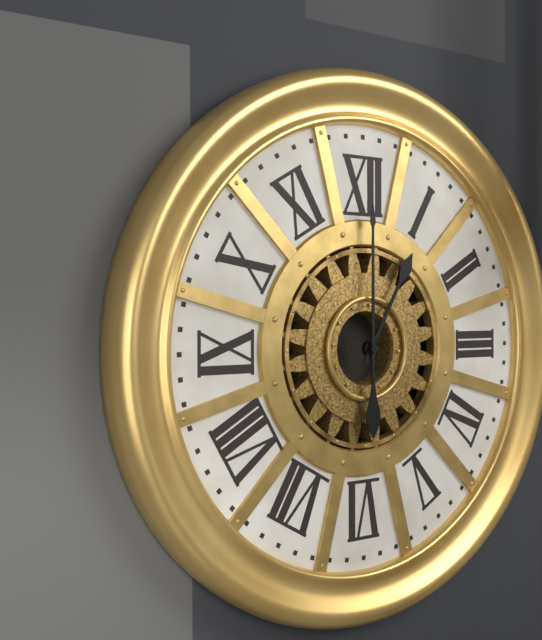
1:00
